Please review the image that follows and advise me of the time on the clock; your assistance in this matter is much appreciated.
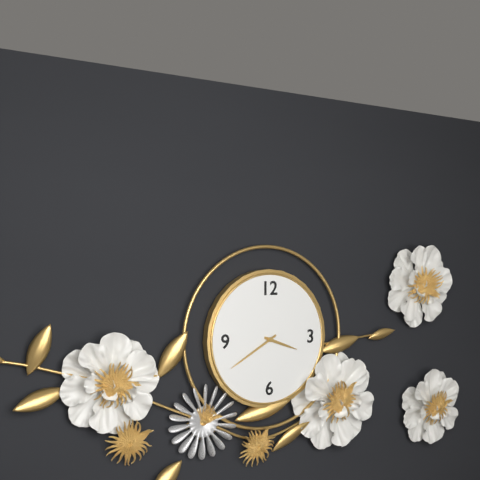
3:40
